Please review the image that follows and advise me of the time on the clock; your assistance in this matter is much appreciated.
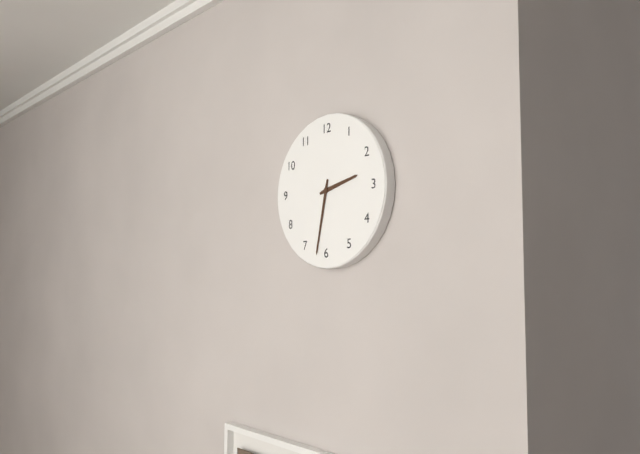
2:32
